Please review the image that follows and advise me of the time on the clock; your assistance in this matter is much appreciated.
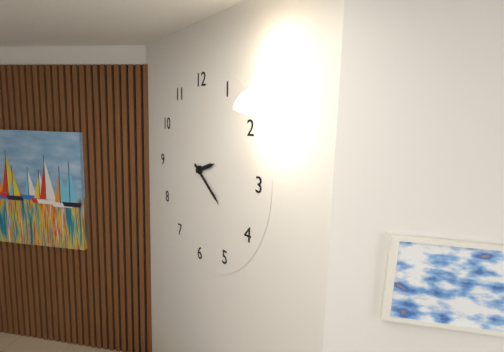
2:21
